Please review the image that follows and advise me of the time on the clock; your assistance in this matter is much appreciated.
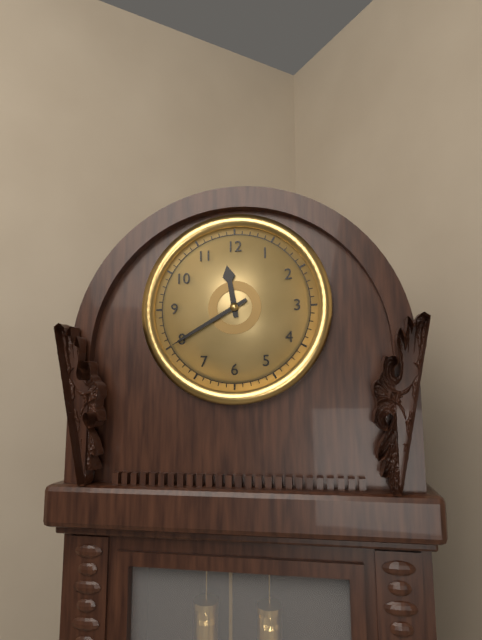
11:40
